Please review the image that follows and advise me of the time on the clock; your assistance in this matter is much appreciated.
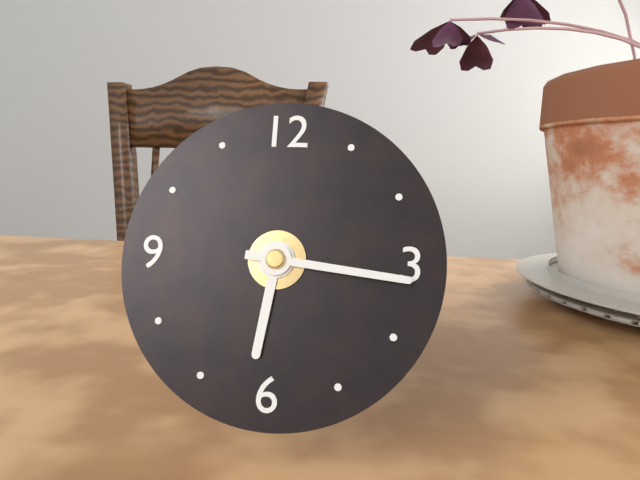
6:16
